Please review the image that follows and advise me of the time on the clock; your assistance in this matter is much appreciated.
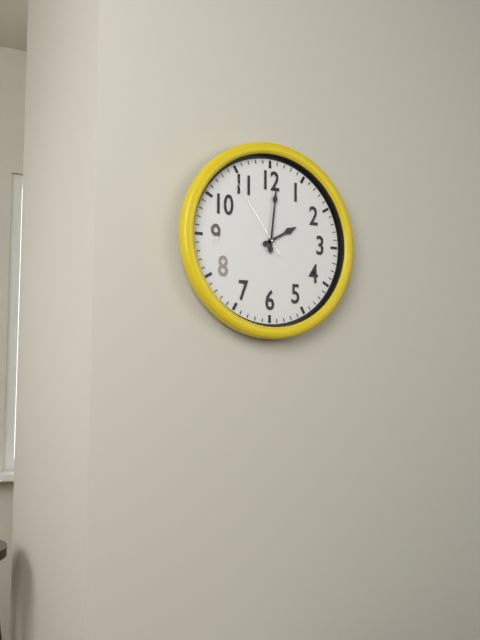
2:01:54
